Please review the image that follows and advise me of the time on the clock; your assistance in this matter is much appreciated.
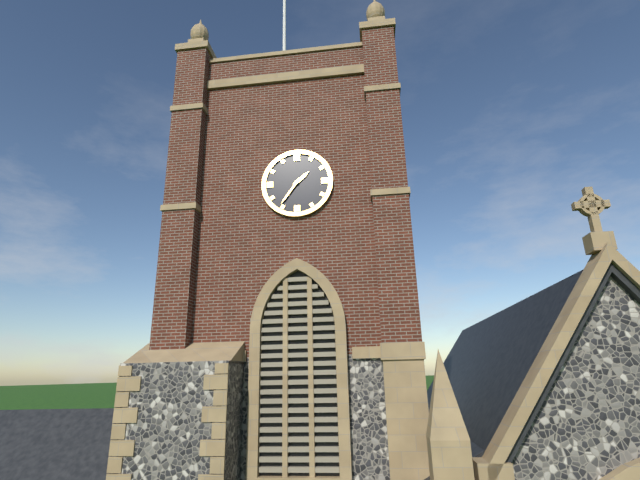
1:36
